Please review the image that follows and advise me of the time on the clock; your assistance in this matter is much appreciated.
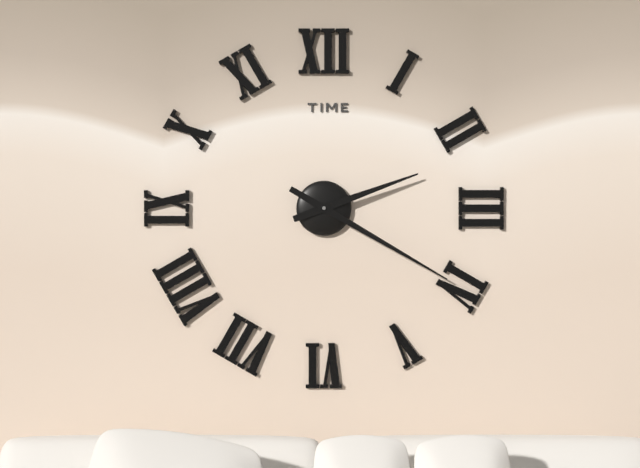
2:20
